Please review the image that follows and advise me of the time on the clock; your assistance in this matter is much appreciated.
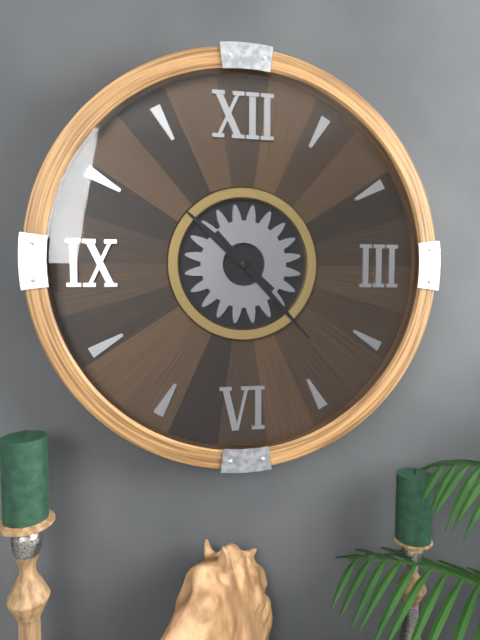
10:23
